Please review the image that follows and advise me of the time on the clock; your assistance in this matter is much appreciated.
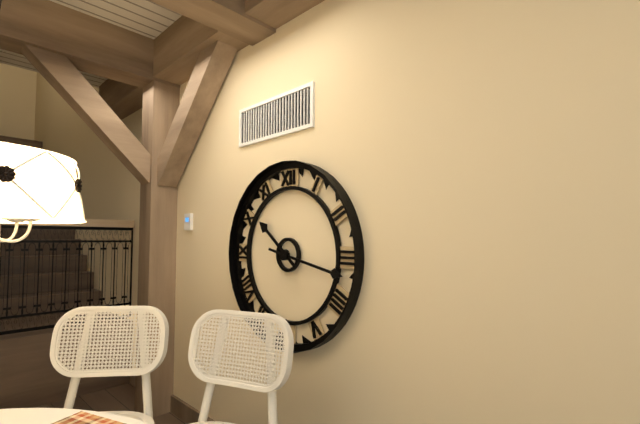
10:17
